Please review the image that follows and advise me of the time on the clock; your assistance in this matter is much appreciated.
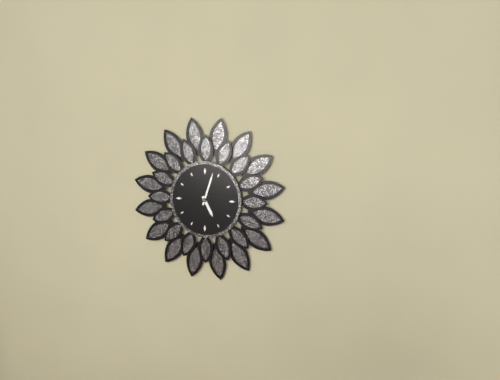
5:03
